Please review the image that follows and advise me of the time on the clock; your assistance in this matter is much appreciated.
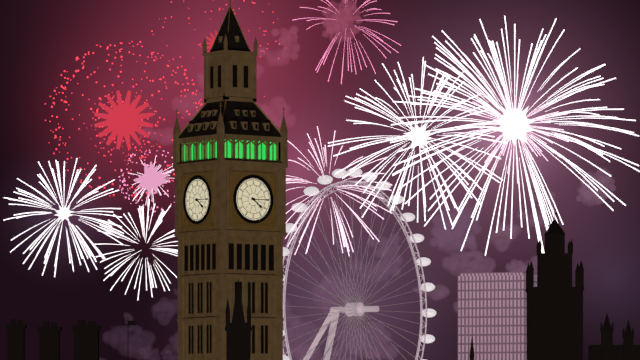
4:15
